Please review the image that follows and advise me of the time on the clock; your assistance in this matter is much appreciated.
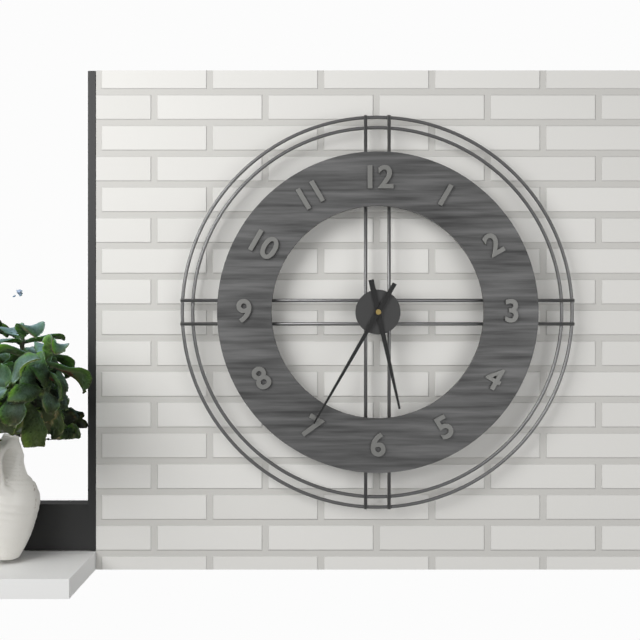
5:35
